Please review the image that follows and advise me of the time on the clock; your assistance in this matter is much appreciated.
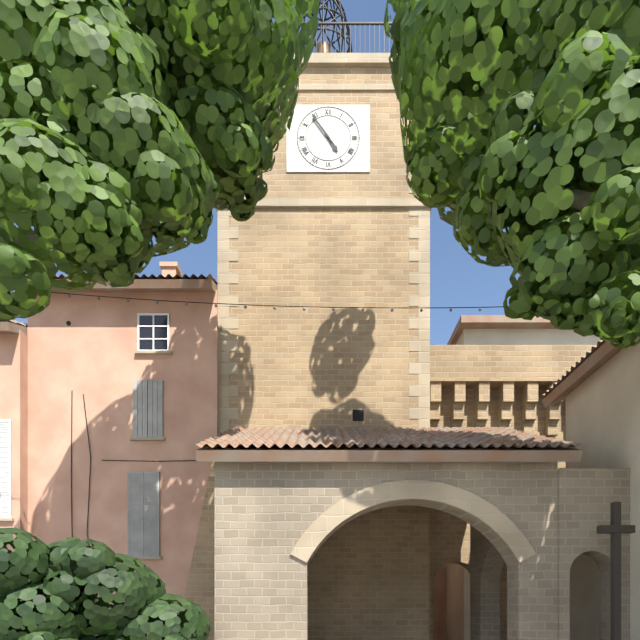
4:54
